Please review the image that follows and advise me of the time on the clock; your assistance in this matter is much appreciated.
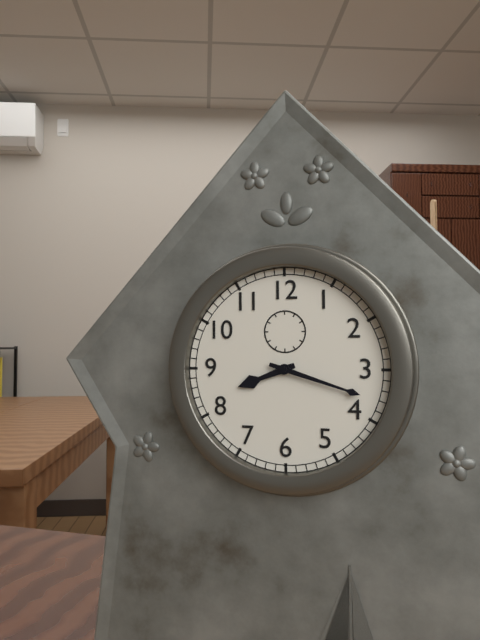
8:18
